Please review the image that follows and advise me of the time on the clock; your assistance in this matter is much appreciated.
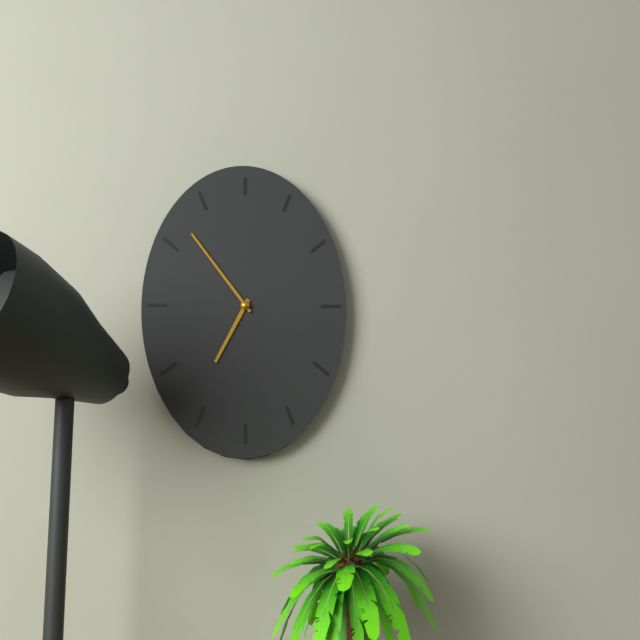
6:54
